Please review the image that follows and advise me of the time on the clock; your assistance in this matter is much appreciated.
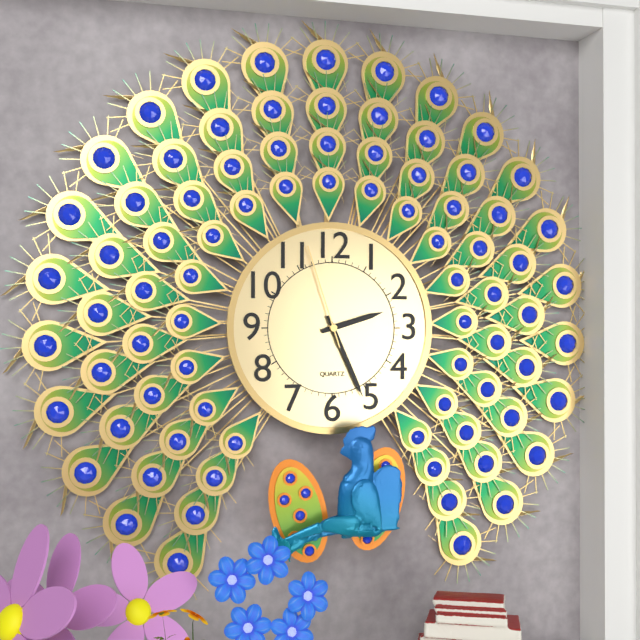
2:26:57
